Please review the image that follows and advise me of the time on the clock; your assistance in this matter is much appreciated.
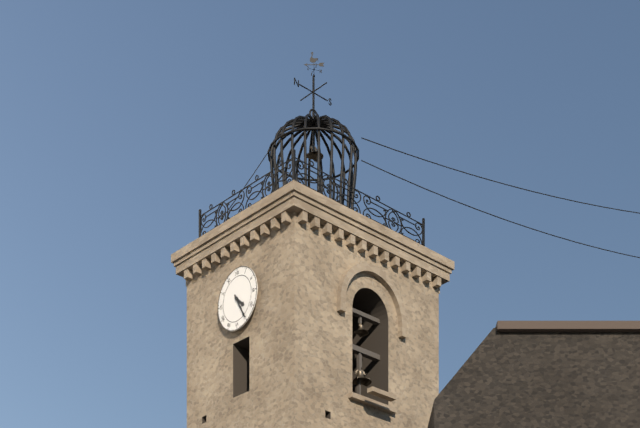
4:25
